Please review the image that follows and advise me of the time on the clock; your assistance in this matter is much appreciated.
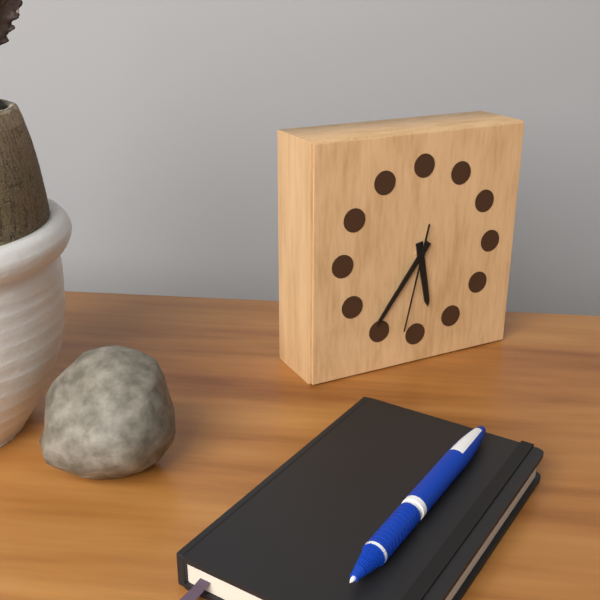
5:36:32
